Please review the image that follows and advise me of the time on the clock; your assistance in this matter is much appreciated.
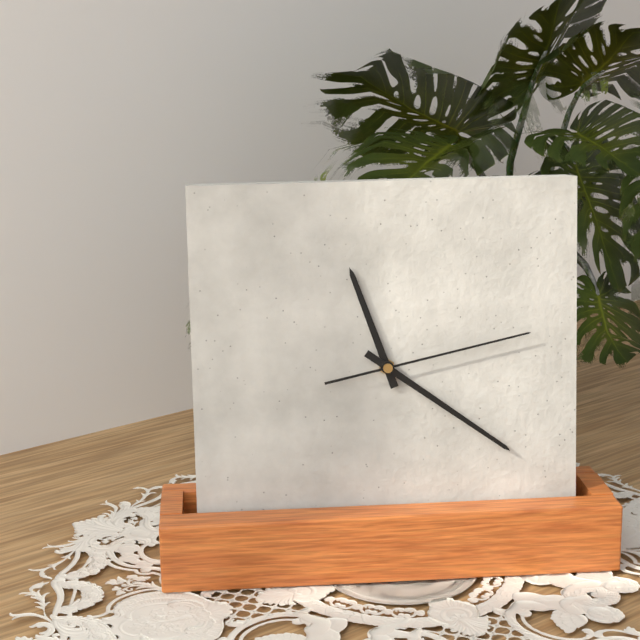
11:21:13
